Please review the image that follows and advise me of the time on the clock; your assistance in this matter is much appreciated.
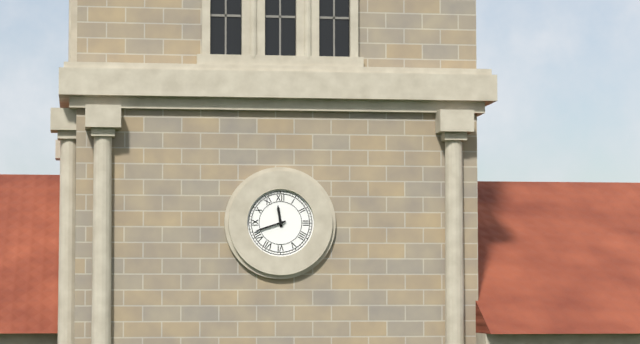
11:42
